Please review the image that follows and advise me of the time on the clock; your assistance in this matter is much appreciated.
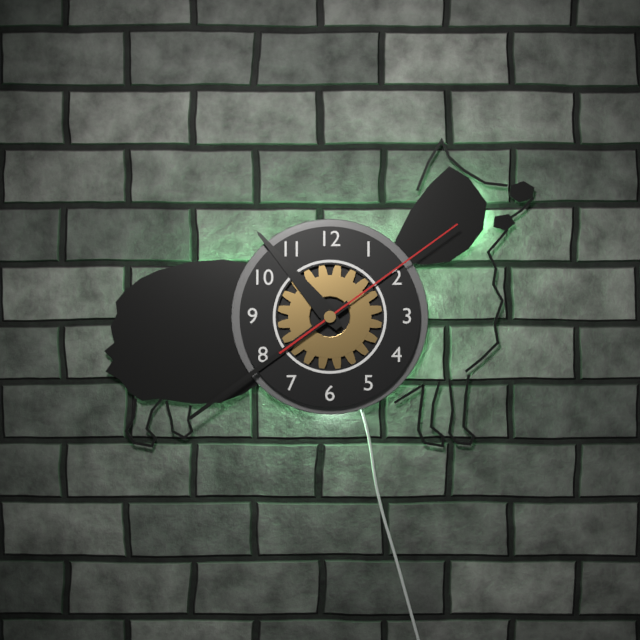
10:39:09
